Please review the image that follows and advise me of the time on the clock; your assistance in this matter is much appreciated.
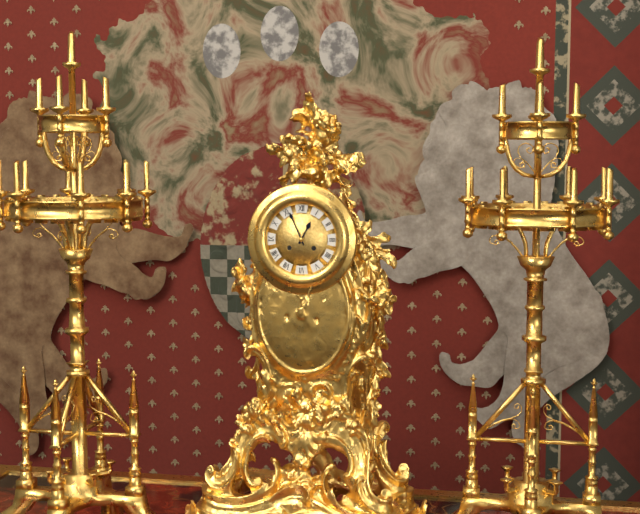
12:56
